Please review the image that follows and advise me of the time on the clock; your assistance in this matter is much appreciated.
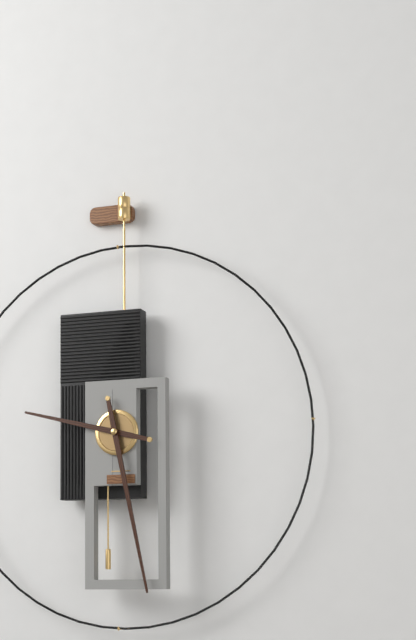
9:28
